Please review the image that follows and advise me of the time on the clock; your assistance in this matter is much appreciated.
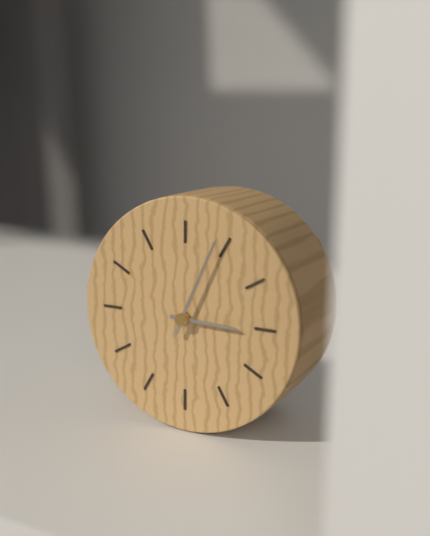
3:04
